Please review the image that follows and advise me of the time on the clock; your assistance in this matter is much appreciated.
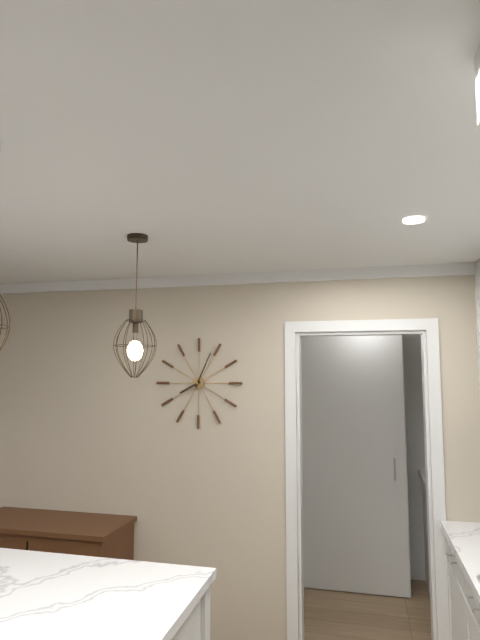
8:04
